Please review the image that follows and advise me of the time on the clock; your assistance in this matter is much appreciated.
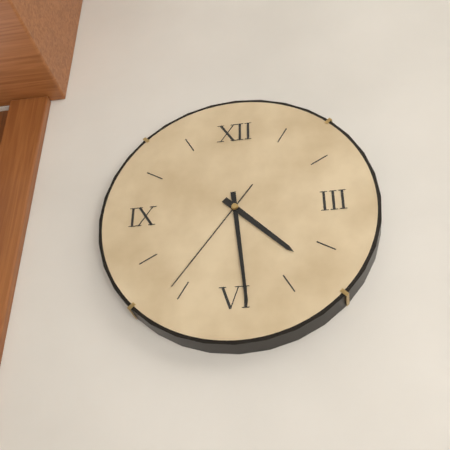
4:29:36
